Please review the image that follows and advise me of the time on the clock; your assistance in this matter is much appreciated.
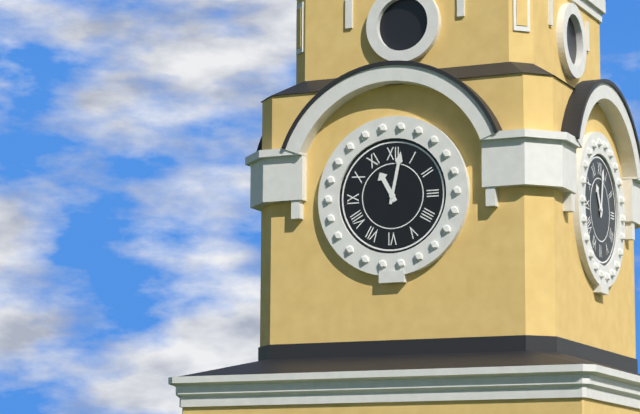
11:02
